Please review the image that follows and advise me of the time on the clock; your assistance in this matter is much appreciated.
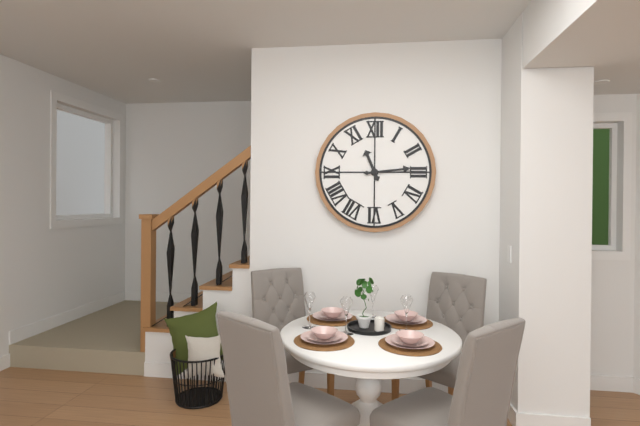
11:14
